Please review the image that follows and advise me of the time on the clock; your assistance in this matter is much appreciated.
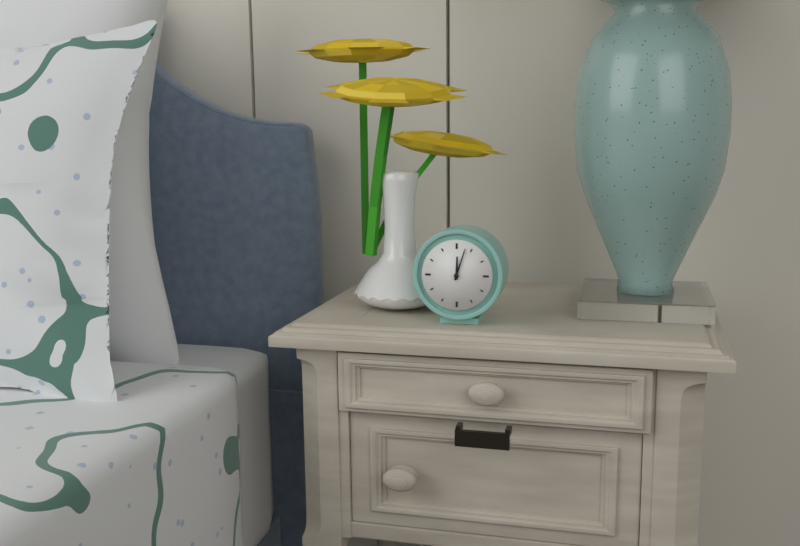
12:03
